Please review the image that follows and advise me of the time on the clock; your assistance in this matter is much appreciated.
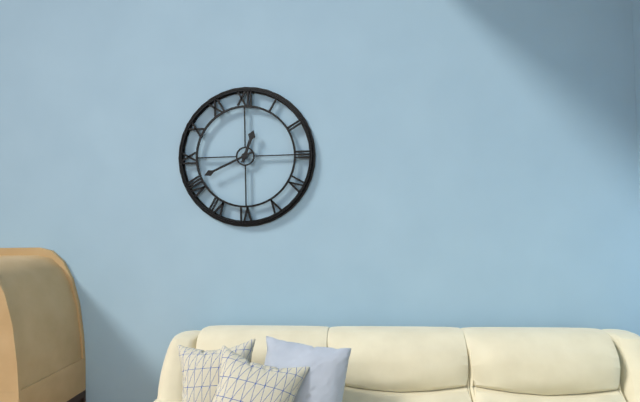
12:41
